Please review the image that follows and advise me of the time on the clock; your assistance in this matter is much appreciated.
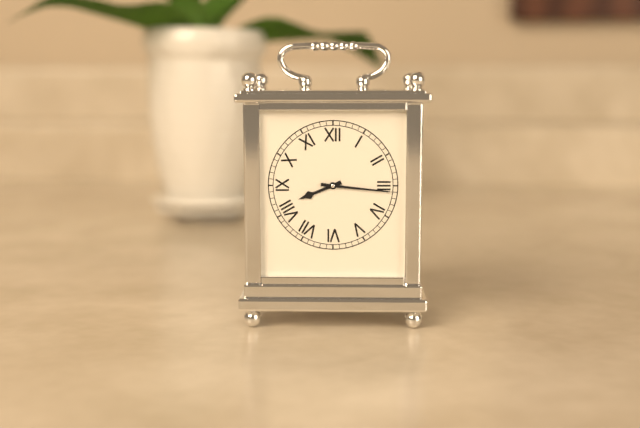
8:16
